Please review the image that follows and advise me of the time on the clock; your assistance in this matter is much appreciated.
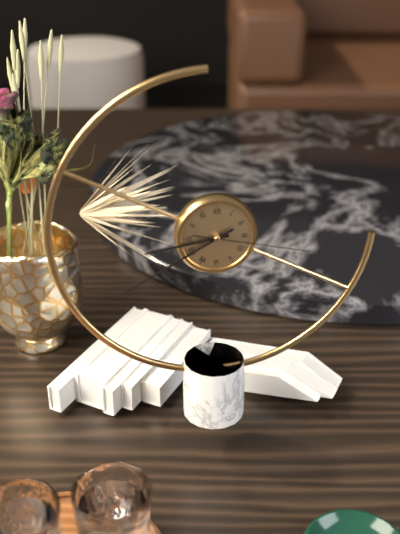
8:40:17
